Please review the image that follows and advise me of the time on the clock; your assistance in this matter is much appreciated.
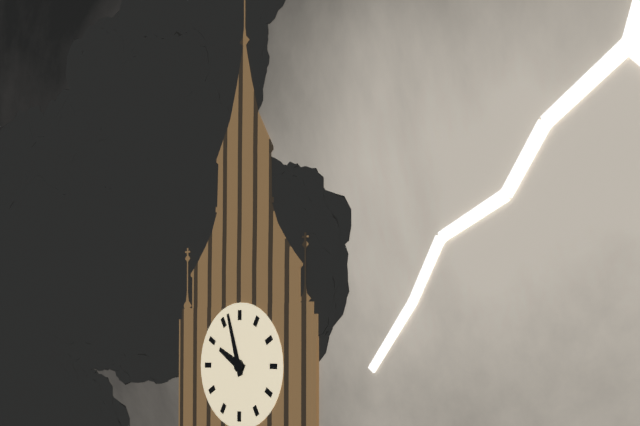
9:57
